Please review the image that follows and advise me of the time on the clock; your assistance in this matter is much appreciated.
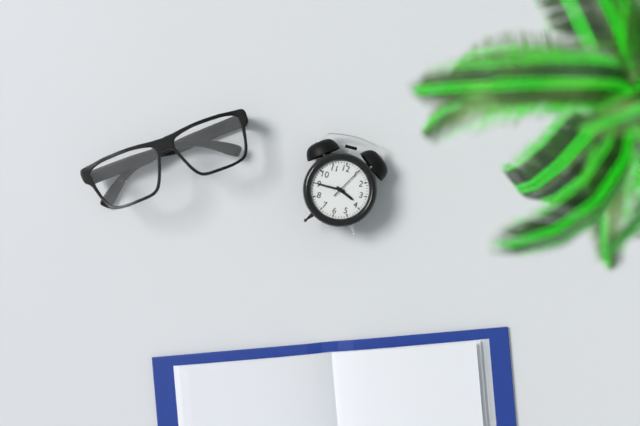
3:45
